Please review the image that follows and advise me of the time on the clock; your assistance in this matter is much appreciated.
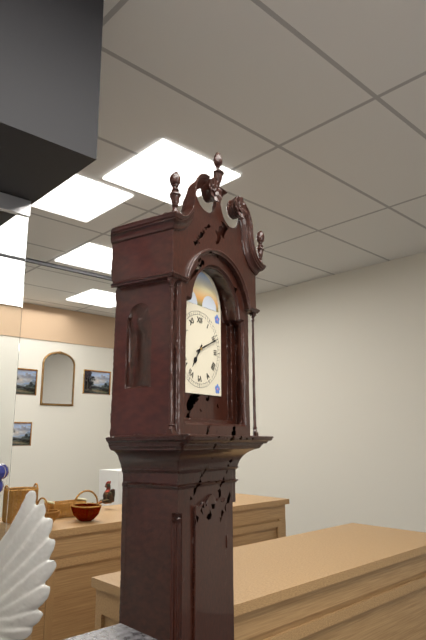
7:11
